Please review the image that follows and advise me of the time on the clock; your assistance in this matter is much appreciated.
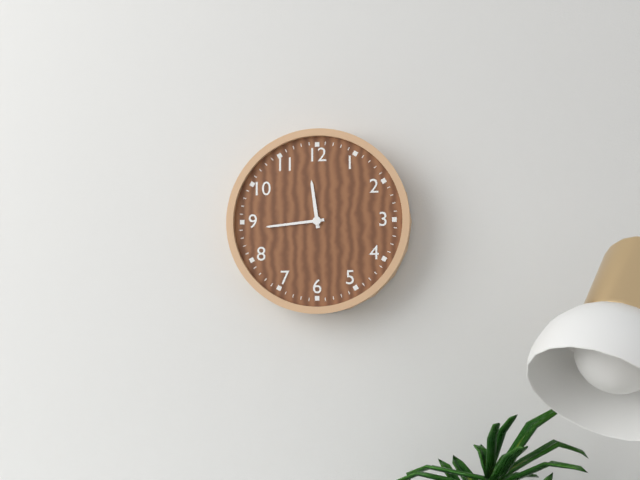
11:44
